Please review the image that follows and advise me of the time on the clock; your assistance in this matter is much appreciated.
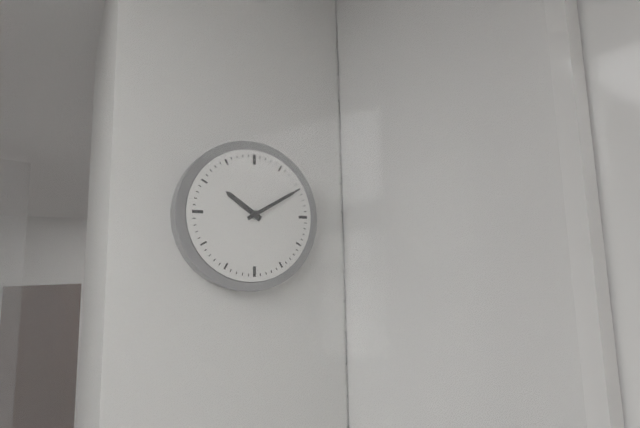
10:10
